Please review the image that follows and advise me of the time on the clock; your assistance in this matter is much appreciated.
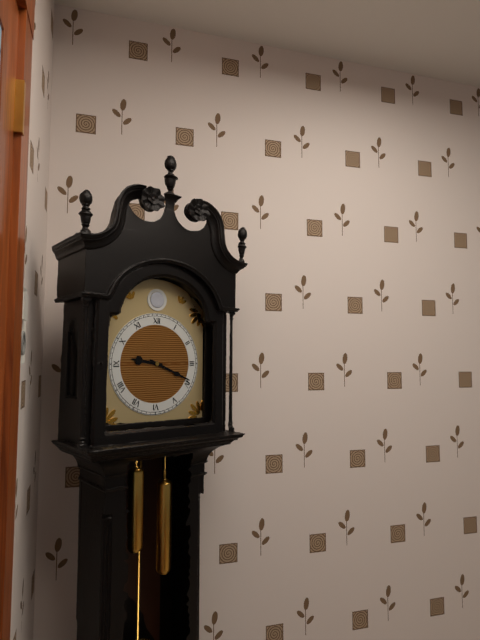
9:19
